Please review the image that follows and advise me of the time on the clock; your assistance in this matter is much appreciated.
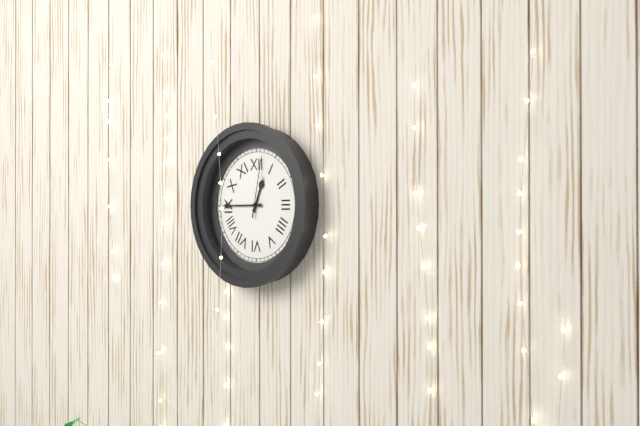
12:45:02
